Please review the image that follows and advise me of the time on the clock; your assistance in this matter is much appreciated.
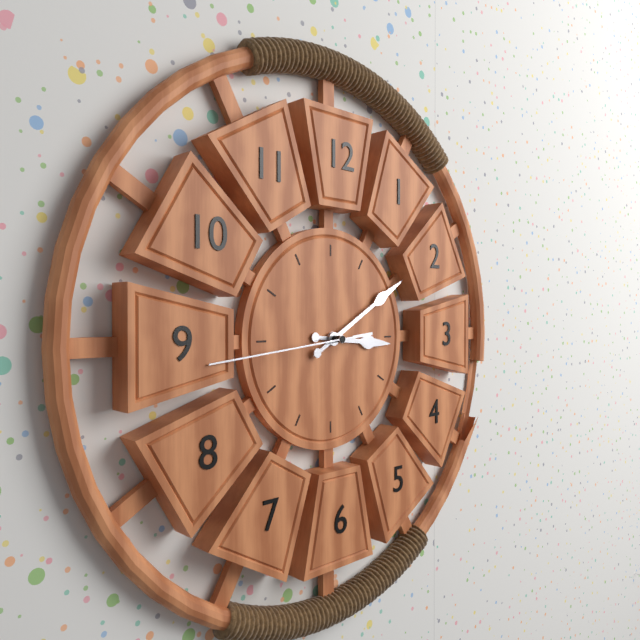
3:10:44
